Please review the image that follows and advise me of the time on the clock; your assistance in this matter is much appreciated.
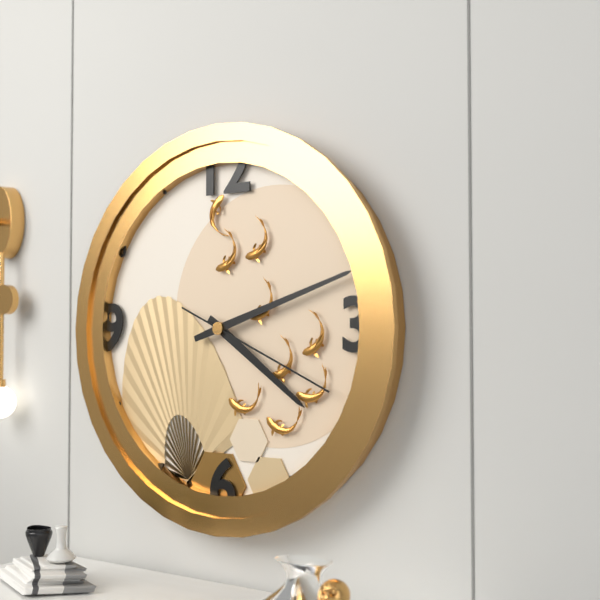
4:12:19
